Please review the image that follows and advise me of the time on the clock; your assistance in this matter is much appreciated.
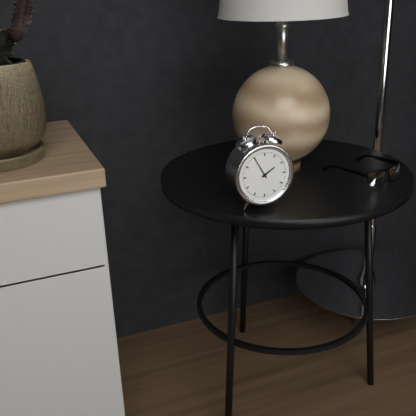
1:55
